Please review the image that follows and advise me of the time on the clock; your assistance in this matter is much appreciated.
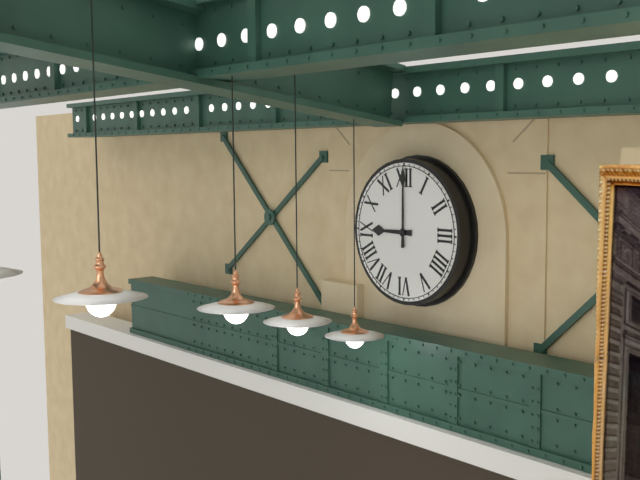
9:00
